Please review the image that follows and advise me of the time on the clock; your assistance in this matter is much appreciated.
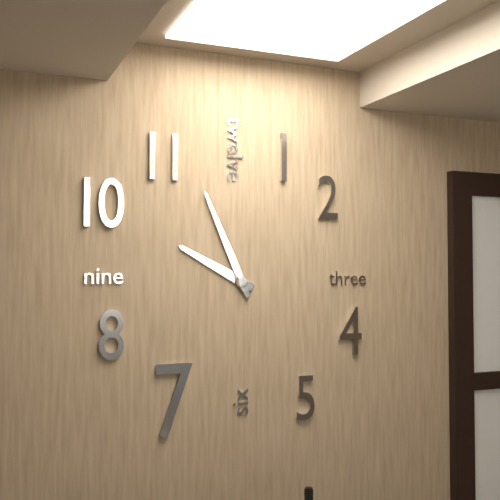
9:56
